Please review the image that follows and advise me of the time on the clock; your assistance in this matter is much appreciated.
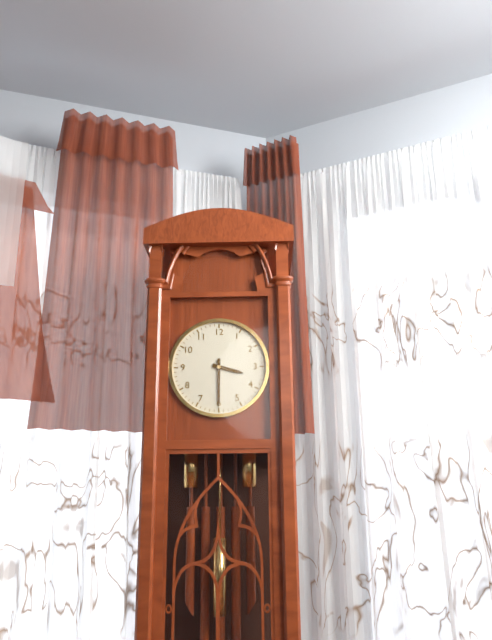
3:30
